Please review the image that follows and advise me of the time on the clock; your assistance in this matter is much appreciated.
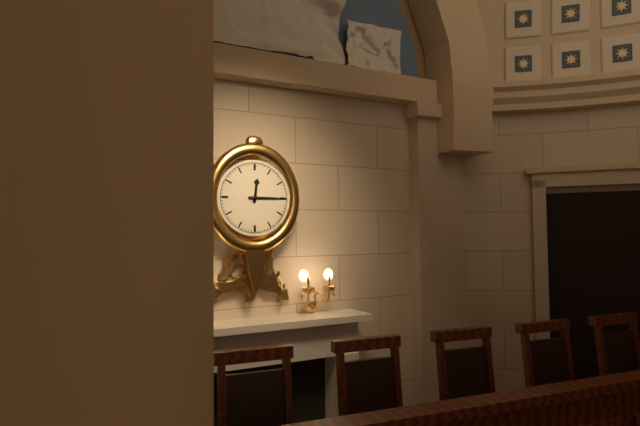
12:15
